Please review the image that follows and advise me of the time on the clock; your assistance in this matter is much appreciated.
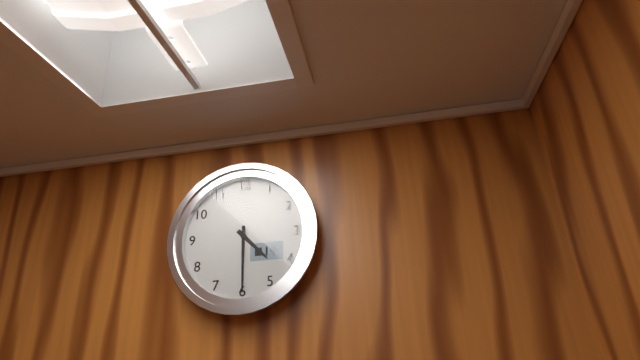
4:30
